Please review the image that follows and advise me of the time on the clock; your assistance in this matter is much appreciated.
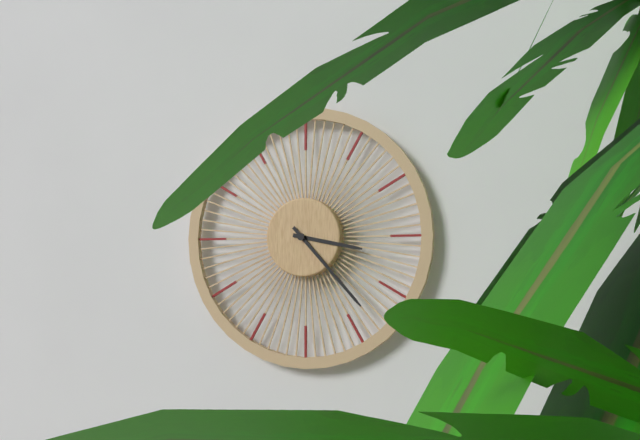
3:23
